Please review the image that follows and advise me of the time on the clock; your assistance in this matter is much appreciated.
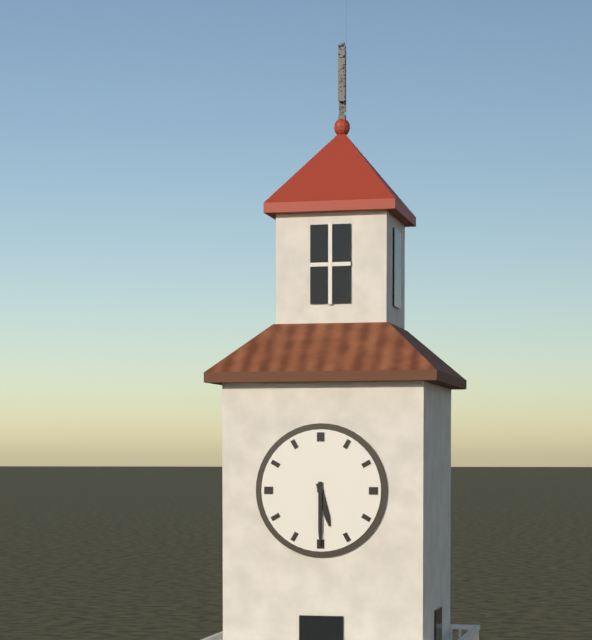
5:30
